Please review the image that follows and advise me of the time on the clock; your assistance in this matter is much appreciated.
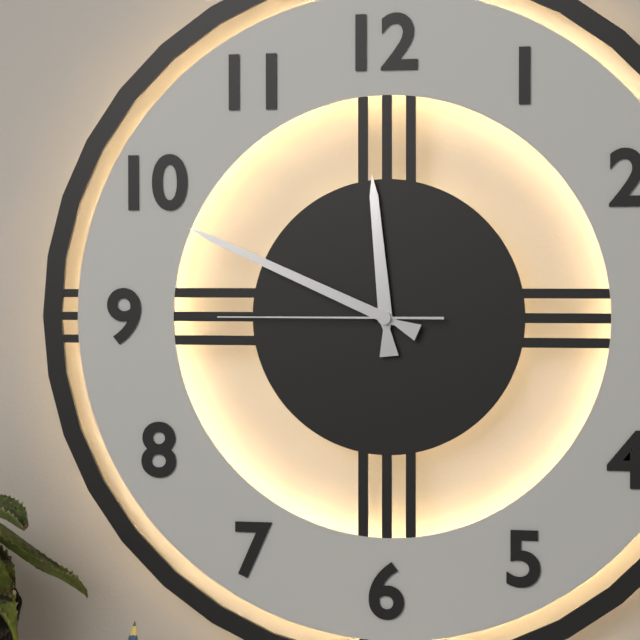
11:49:45
